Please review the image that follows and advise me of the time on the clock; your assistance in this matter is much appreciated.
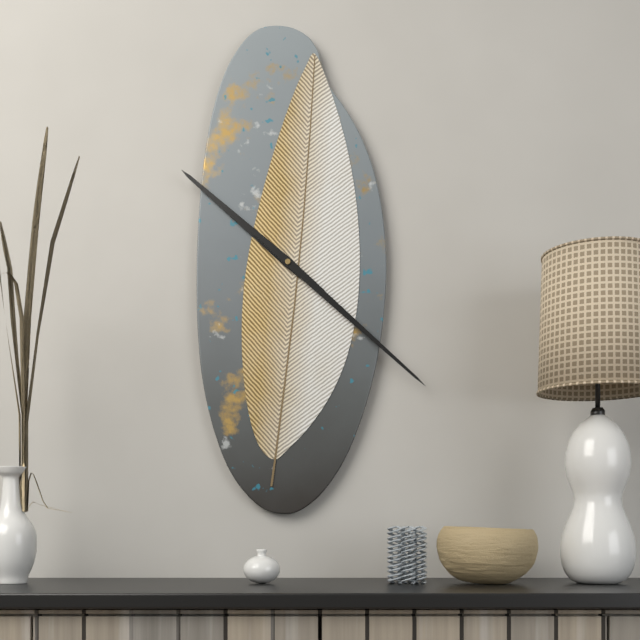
10:22
